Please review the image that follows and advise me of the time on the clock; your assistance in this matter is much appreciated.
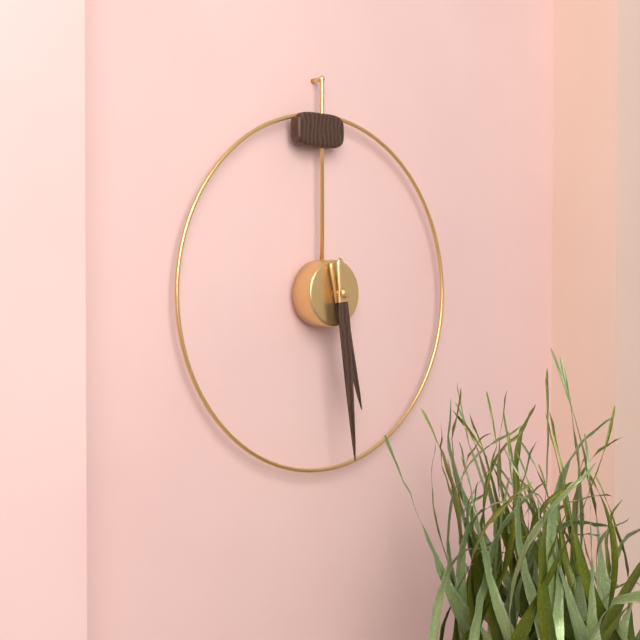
5:29
